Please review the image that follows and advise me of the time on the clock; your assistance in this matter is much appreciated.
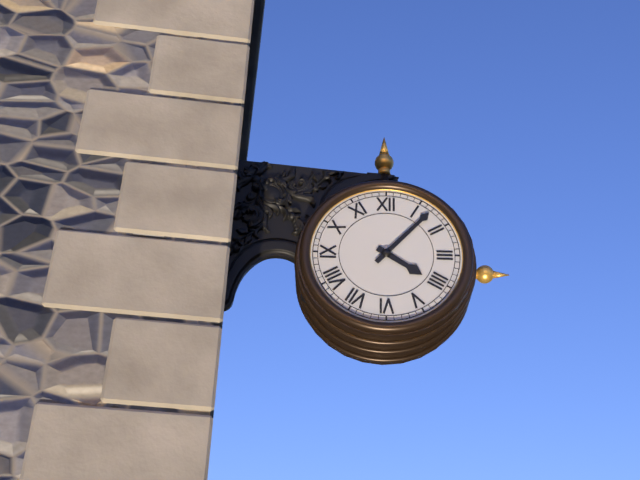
4:07
